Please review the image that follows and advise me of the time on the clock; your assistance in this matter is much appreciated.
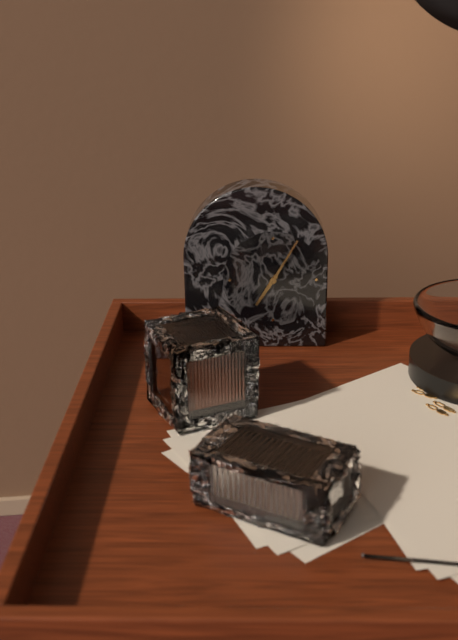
7:05
